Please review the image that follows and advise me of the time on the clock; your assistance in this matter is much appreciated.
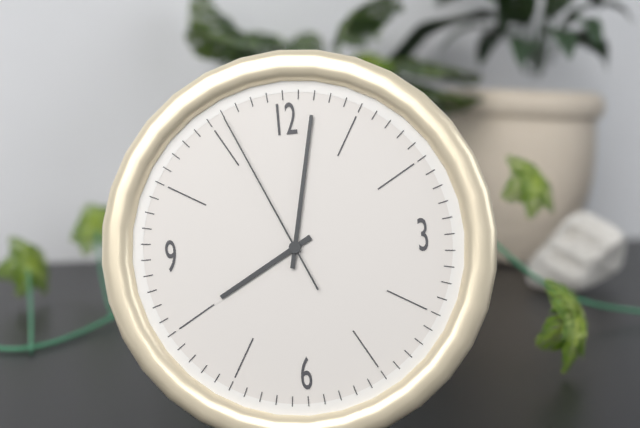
8:02:56
